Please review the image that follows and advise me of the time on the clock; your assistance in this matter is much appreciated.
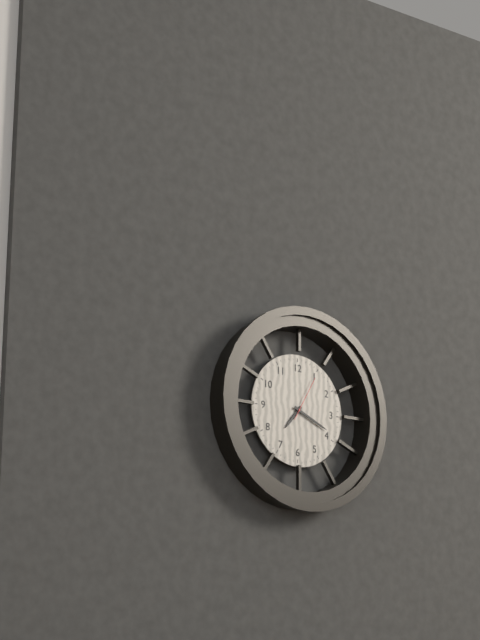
7:19
